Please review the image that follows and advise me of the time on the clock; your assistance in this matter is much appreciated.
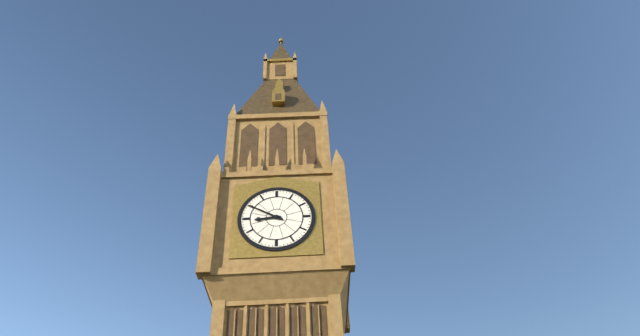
8:50
